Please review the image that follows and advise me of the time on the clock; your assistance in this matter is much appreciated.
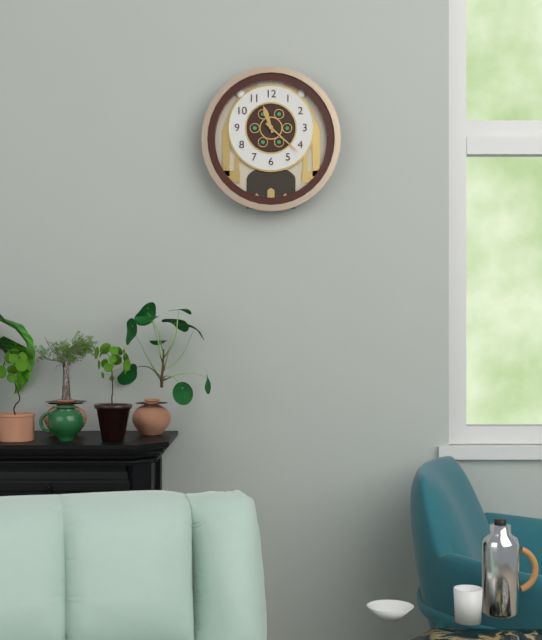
11:22
